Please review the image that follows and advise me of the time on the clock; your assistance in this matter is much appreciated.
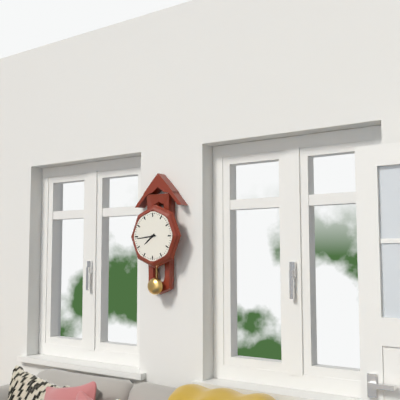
7:44
